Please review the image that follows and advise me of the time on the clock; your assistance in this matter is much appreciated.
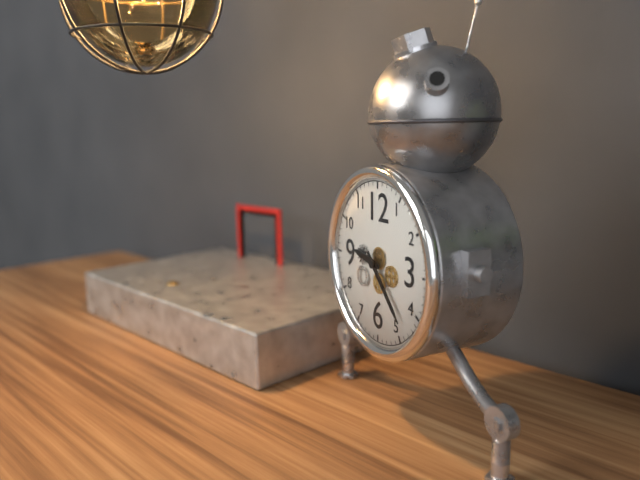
9:23
